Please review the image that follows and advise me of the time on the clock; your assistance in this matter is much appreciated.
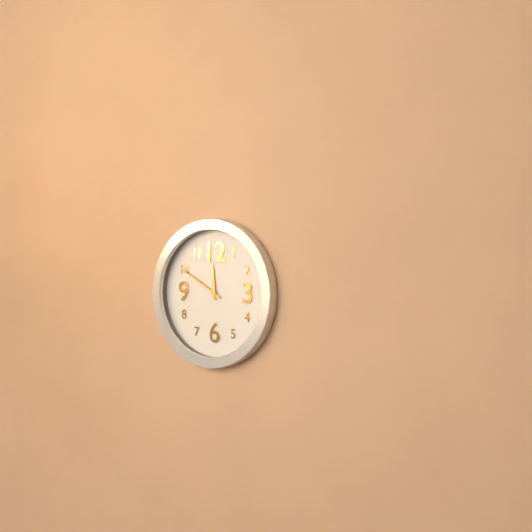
11:50
